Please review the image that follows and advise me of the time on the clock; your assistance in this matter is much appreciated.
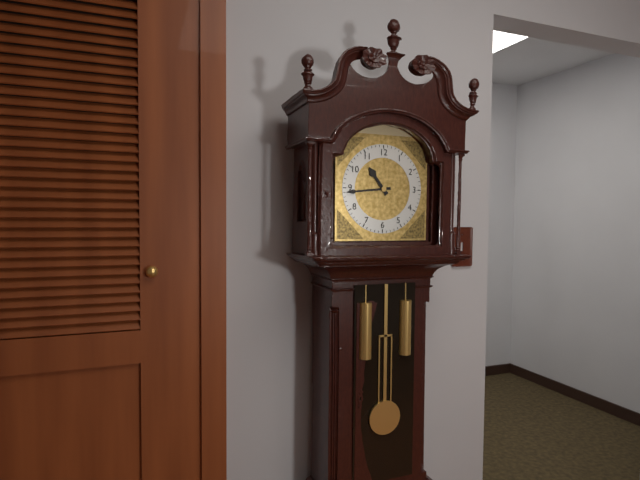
10:44
